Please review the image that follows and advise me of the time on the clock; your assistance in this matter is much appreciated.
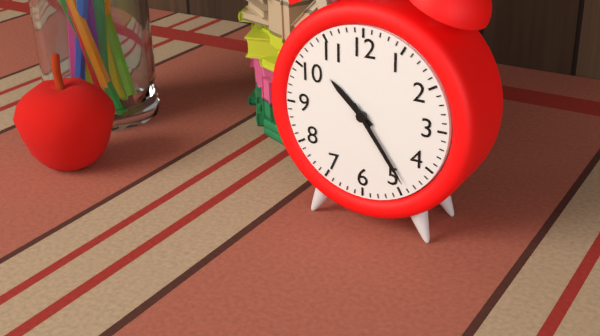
10:24
